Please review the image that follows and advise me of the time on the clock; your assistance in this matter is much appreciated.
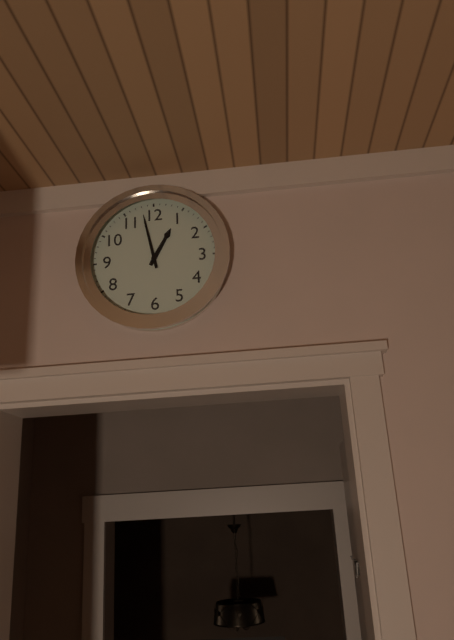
12:58
